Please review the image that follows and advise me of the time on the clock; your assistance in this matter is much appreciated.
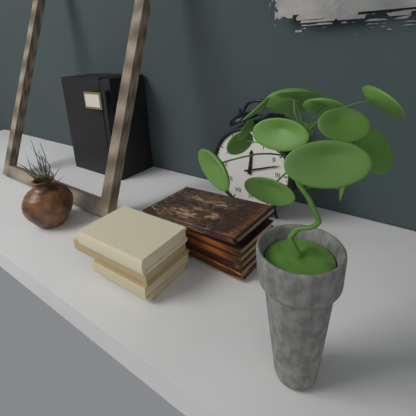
12:12
